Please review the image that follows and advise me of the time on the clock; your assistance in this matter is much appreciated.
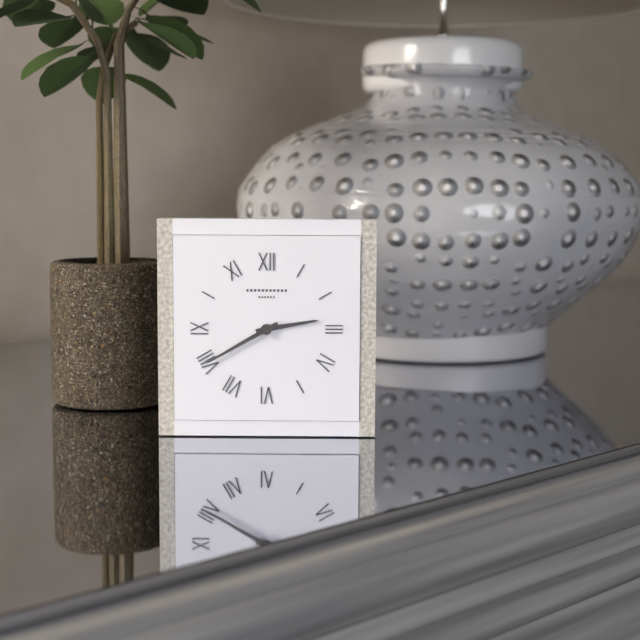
2:40
